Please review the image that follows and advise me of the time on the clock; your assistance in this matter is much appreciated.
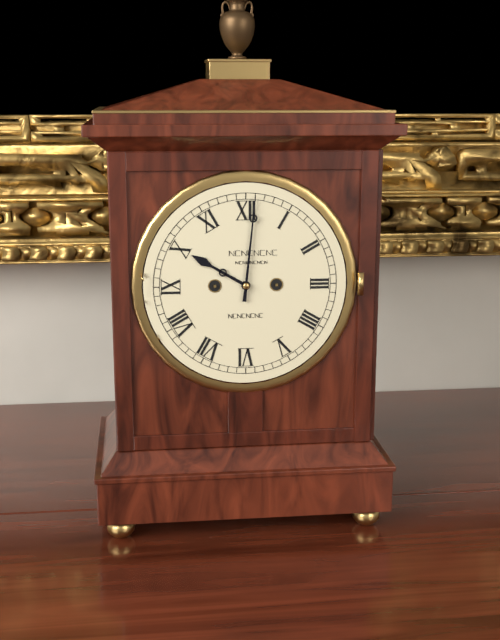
10:01
